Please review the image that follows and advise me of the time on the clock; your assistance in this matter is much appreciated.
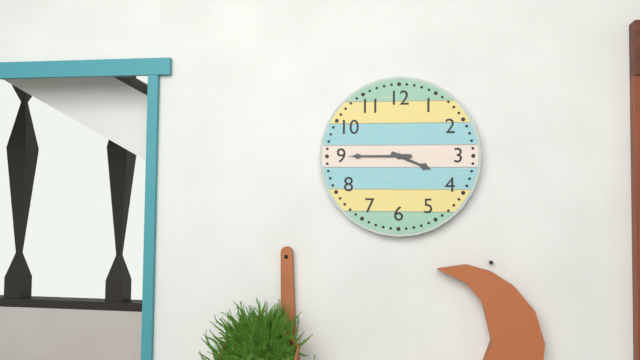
3:45
